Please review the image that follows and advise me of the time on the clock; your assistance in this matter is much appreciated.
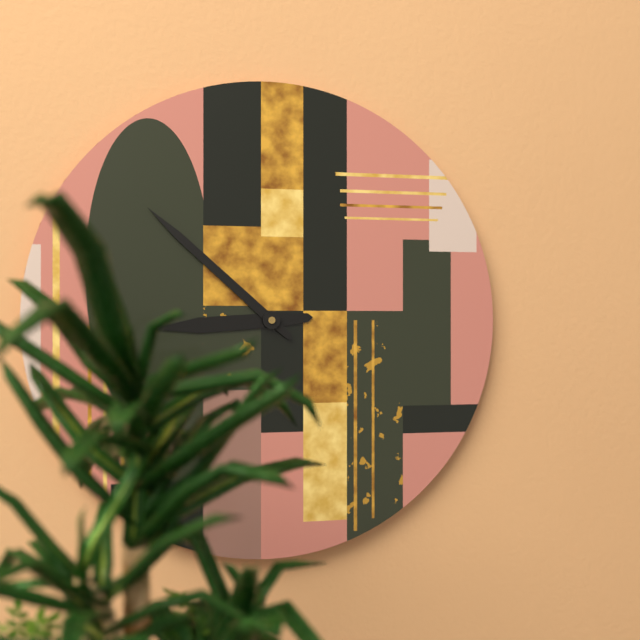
8:52
